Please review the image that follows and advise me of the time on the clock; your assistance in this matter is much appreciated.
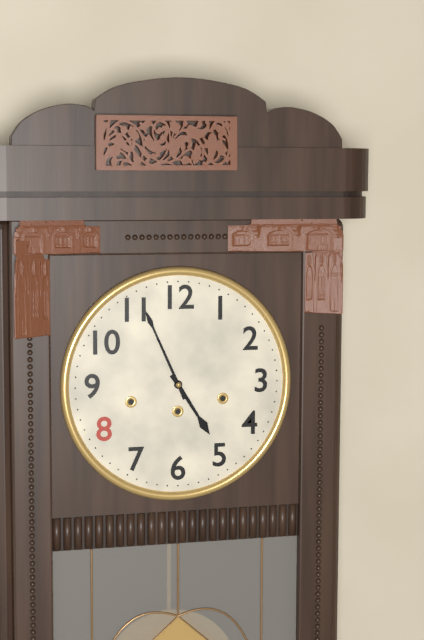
4:56
